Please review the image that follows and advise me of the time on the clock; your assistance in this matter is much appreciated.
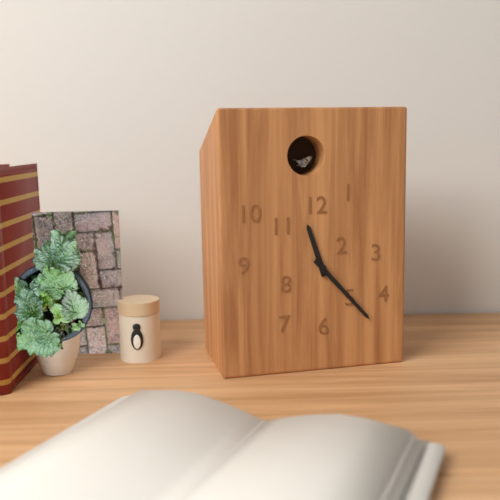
11:23
